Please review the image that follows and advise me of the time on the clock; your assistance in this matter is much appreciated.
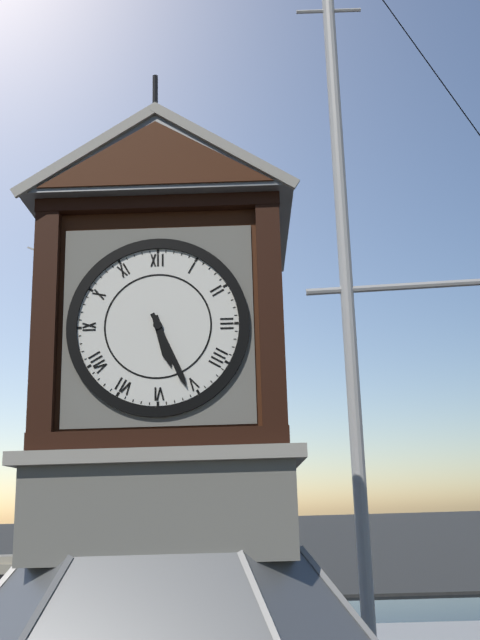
5:26
